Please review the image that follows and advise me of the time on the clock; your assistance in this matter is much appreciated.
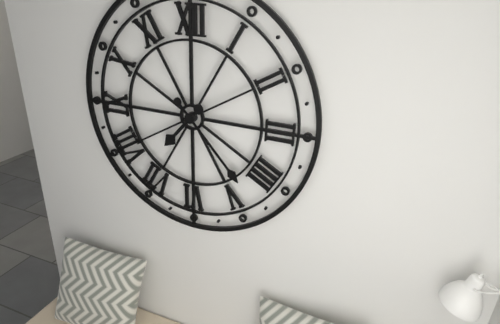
7:23
